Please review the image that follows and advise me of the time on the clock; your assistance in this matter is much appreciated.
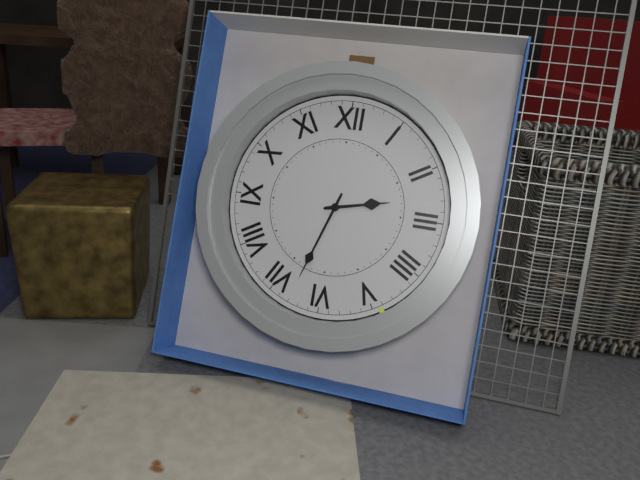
2:33
